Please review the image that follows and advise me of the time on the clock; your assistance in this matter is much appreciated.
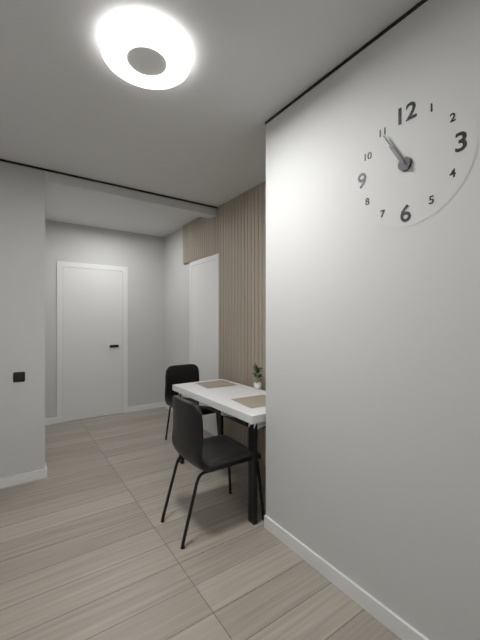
10:55
